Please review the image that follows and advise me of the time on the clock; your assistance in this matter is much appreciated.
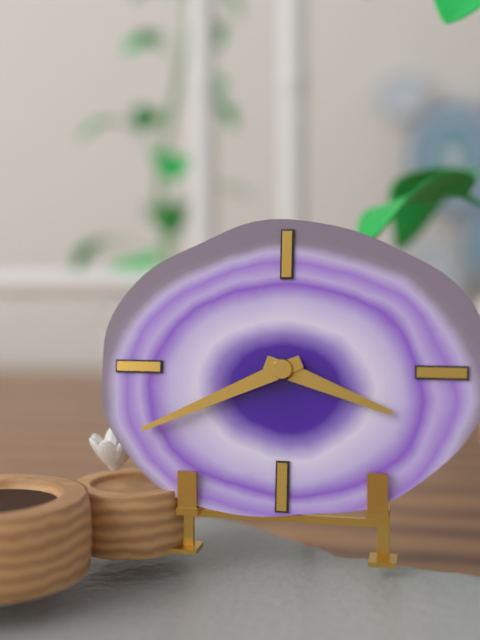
3:41
